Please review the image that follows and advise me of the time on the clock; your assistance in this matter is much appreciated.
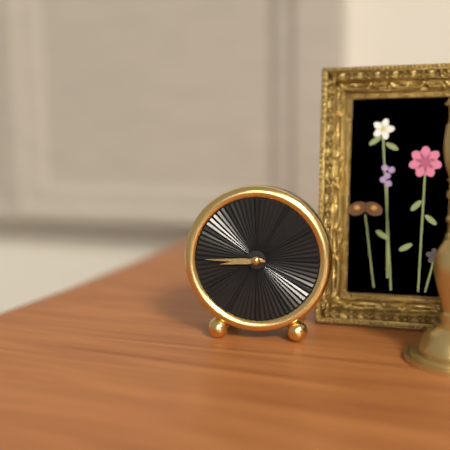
8:45
